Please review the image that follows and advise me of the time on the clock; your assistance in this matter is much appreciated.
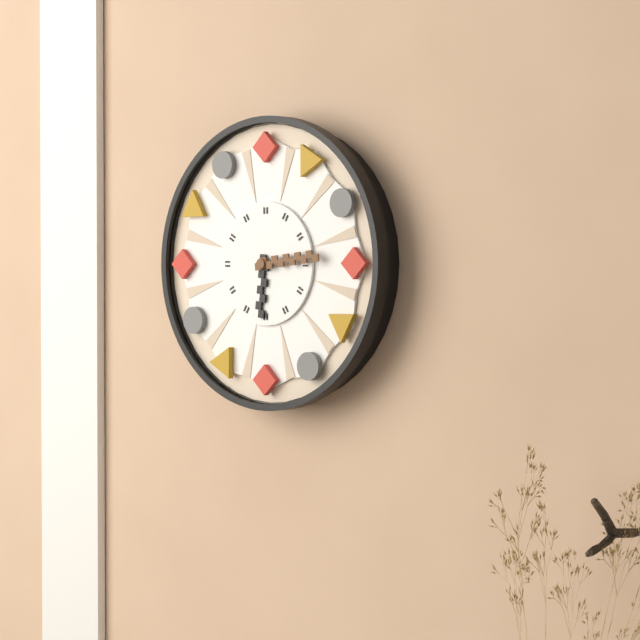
6:14
